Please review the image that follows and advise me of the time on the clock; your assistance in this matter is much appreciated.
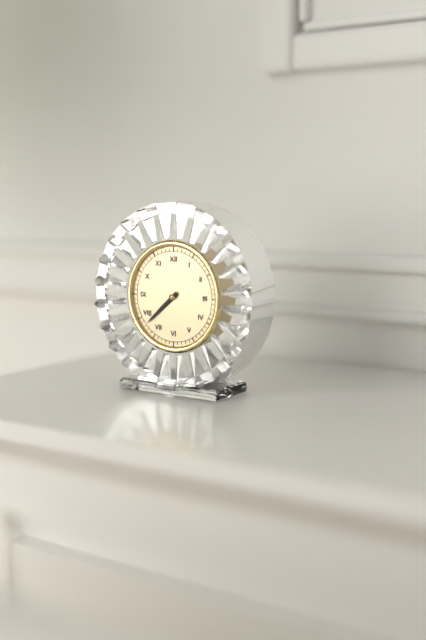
7:38
